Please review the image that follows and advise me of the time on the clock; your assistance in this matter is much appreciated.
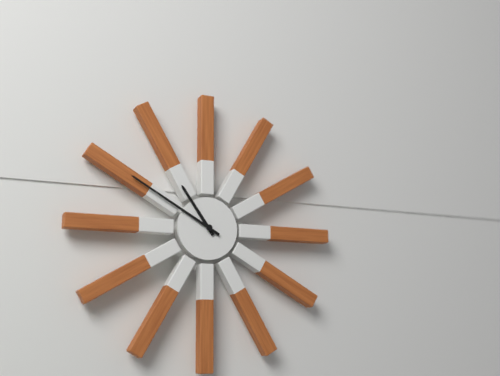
10:50
